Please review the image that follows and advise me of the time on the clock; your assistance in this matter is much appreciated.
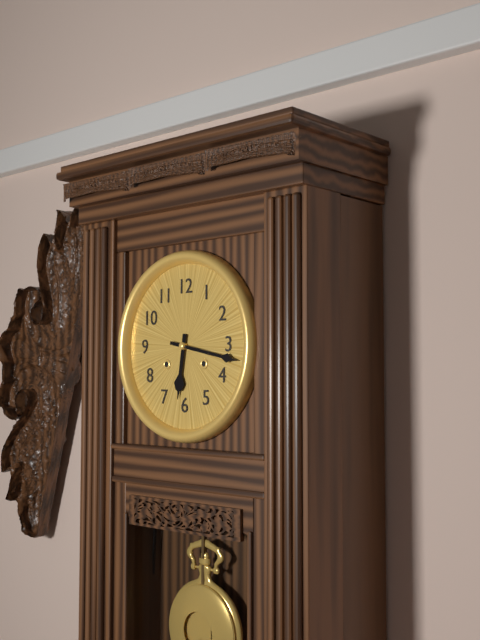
6:17
